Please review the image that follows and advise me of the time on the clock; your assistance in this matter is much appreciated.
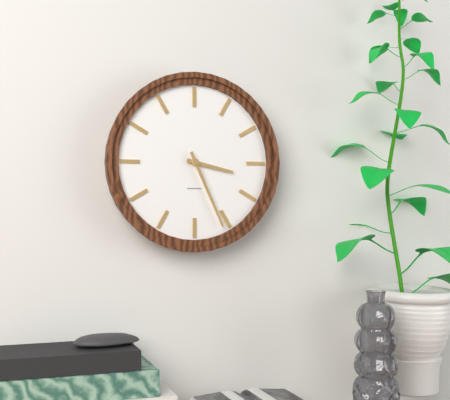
3:26
